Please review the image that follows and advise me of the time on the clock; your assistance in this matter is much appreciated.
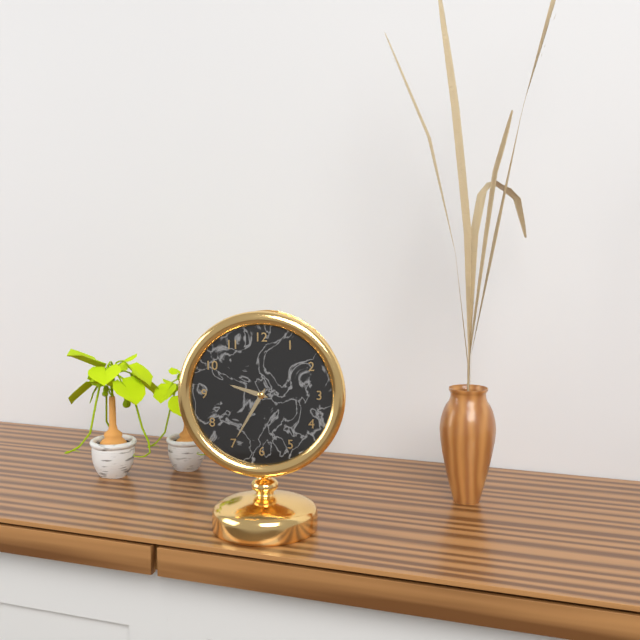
9:35
